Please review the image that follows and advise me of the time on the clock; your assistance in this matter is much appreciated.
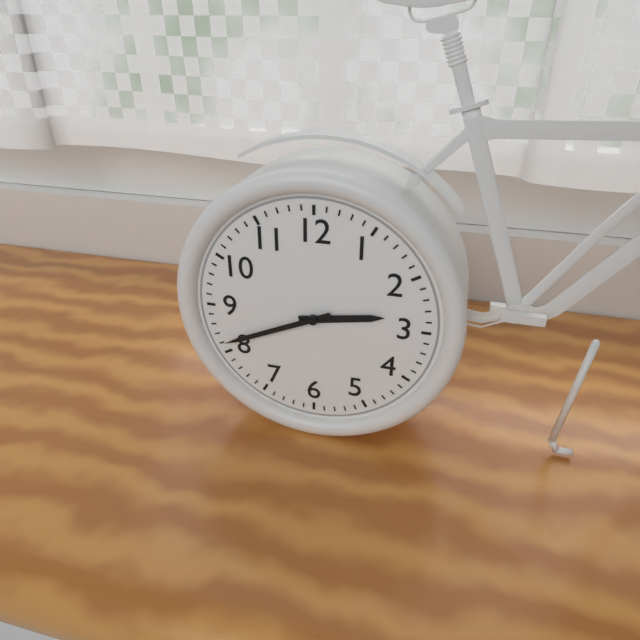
2:41
